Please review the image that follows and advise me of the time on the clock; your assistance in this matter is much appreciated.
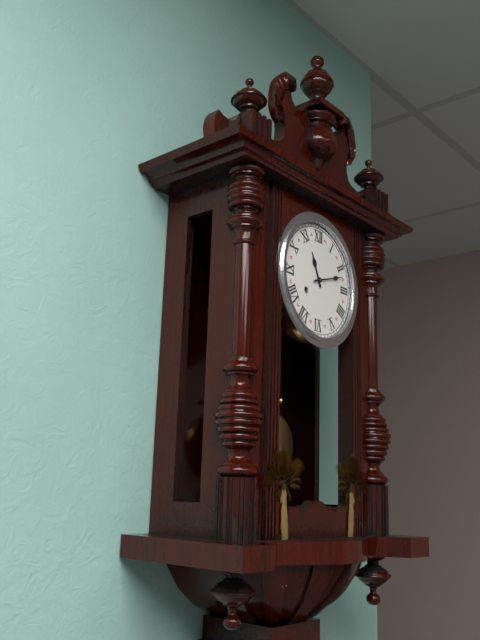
11:12
